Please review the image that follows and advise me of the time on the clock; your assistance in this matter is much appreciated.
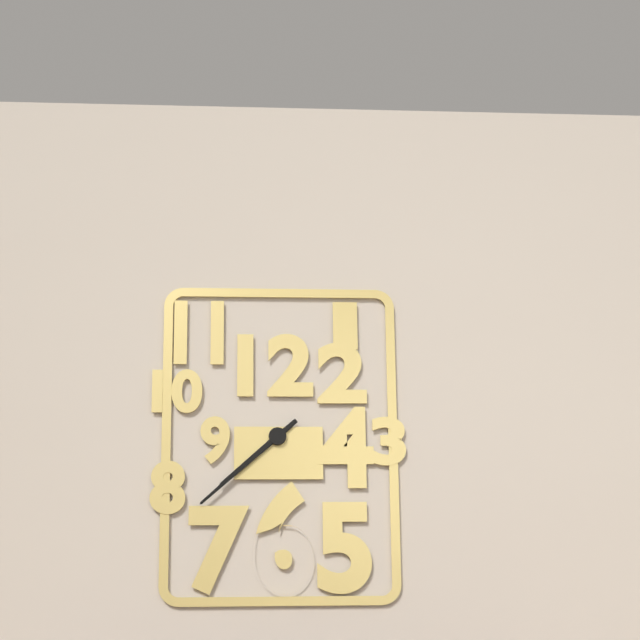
7:38
